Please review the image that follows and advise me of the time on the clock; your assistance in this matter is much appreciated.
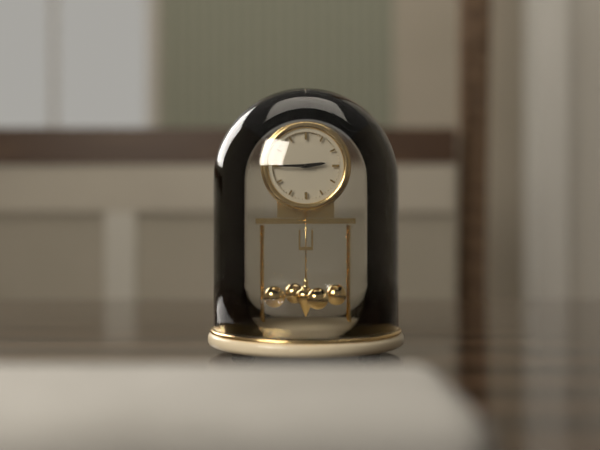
2:45
